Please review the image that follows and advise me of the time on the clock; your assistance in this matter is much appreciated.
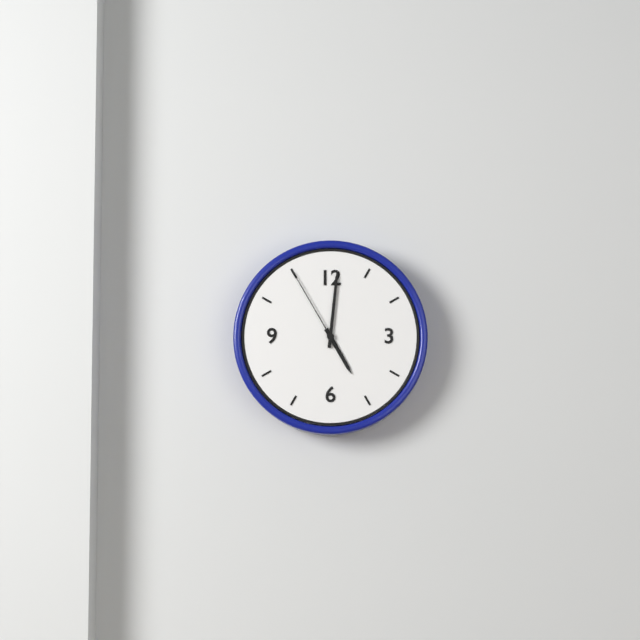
5:01:55
